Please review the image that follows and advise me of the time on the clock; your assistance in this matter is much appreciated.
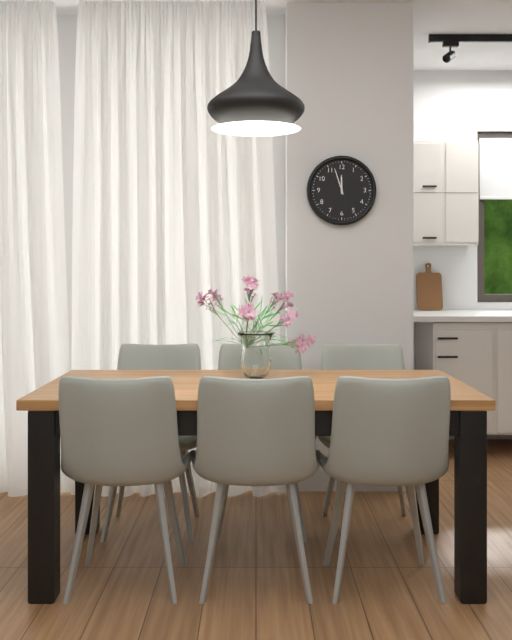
11:57
